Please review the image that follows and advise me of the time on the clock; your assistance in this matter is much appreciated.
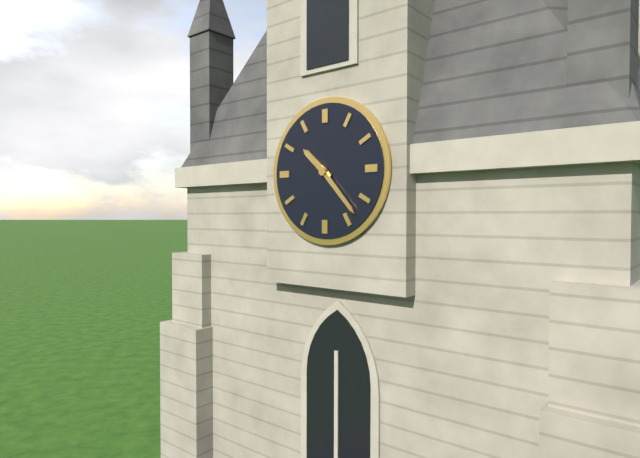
10:23
